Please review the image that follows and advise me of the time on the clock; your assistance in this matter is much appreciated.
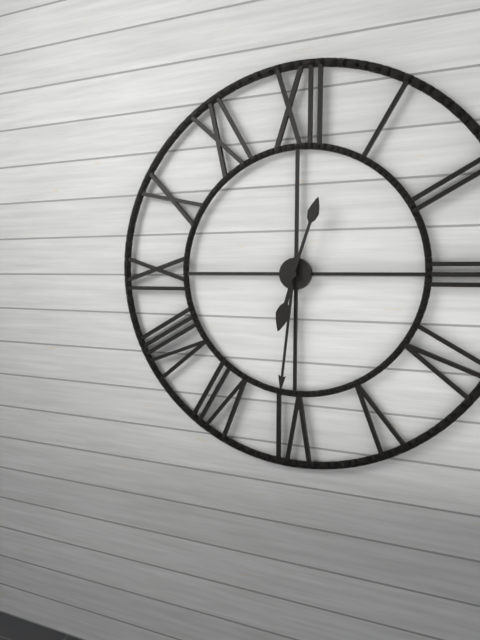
6:31:03
